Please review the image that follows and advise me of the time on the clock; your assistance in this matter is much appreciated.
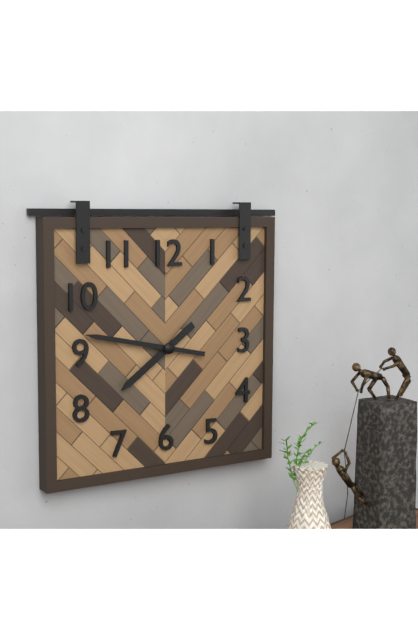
7:47
